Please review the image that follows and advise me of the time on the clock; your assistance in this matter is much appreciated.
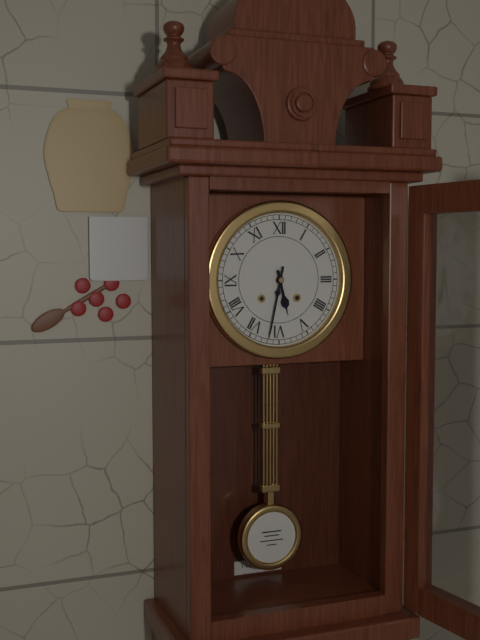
5:32
